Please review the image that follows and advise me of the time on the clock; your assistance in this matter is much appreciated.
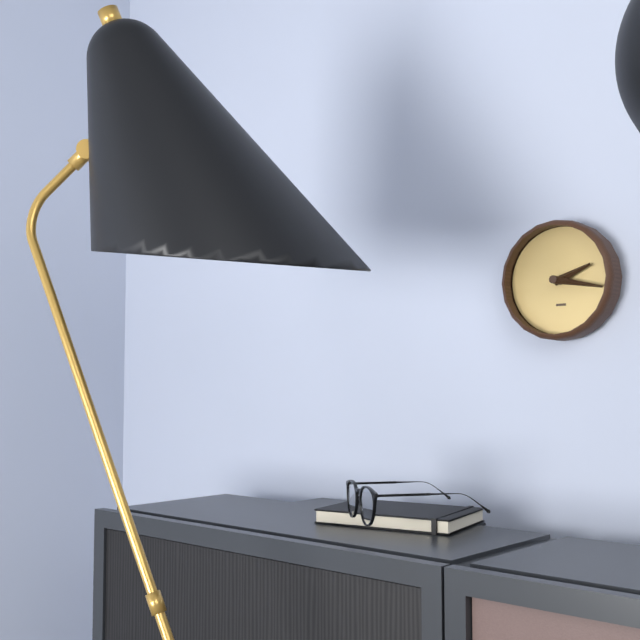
2:17
